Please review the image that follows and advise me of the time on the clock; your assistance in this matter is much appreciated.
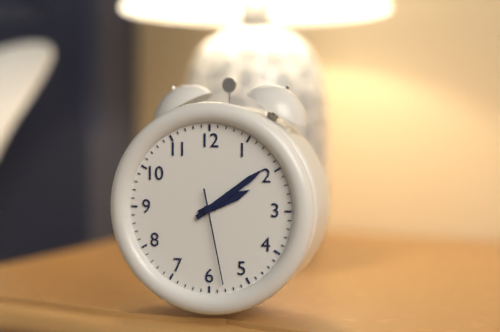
2:09:28
